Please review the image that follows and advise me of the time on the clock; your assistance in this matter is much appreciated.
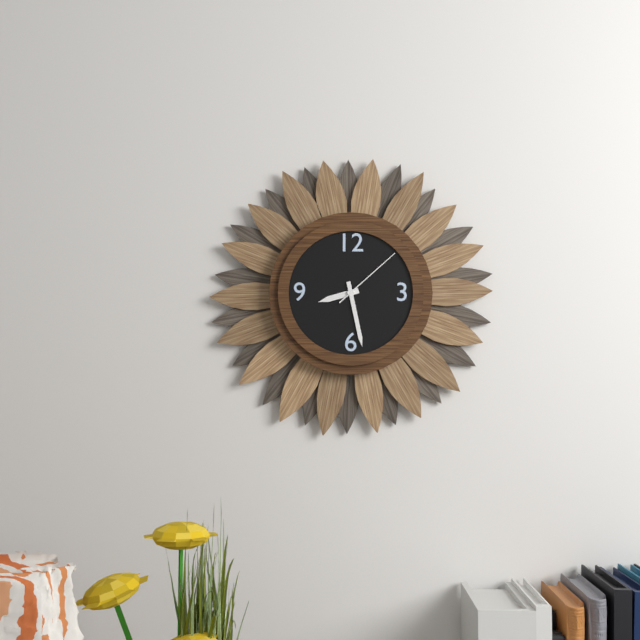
8:28:08
